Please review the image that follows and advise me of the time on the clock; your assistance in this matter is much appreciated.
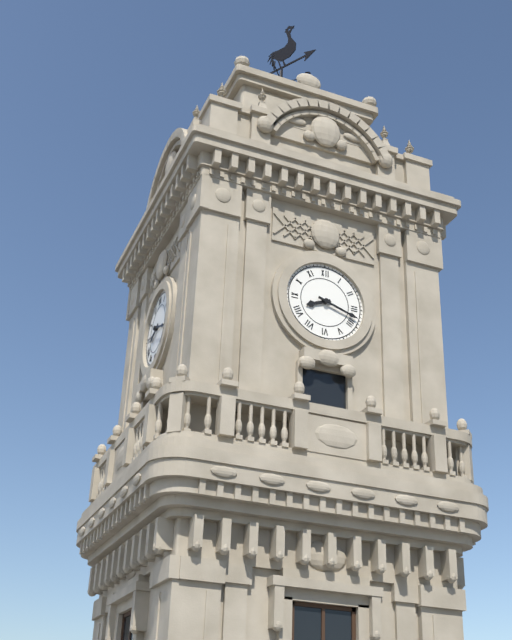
8:18
